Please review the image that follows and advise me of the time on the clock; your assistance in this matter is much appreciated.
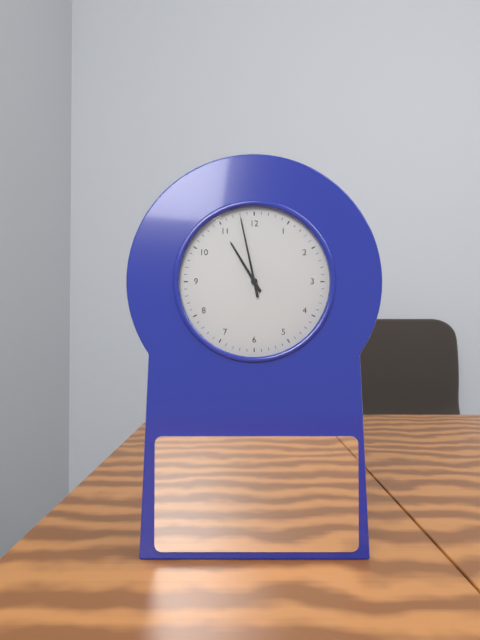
10:58
